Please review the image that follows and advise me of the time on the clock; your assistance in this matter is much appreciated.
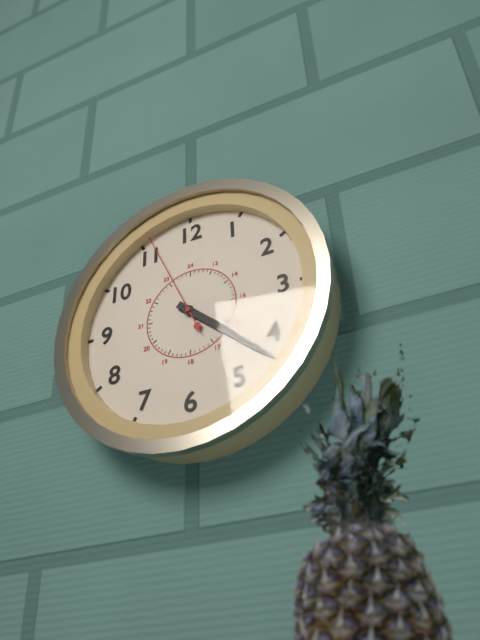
4:22:56
